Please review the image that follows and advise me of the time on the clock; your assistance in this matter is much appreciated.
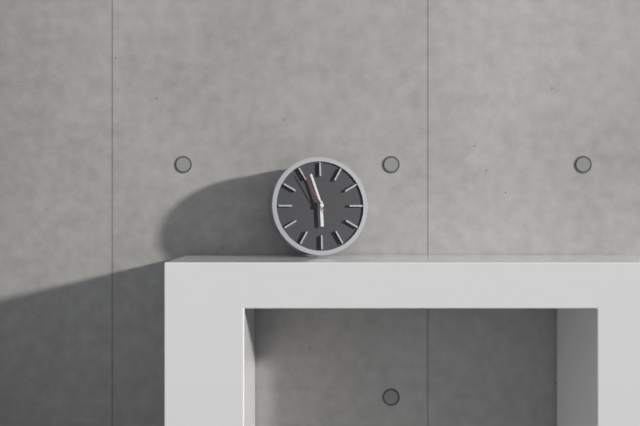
5:57
